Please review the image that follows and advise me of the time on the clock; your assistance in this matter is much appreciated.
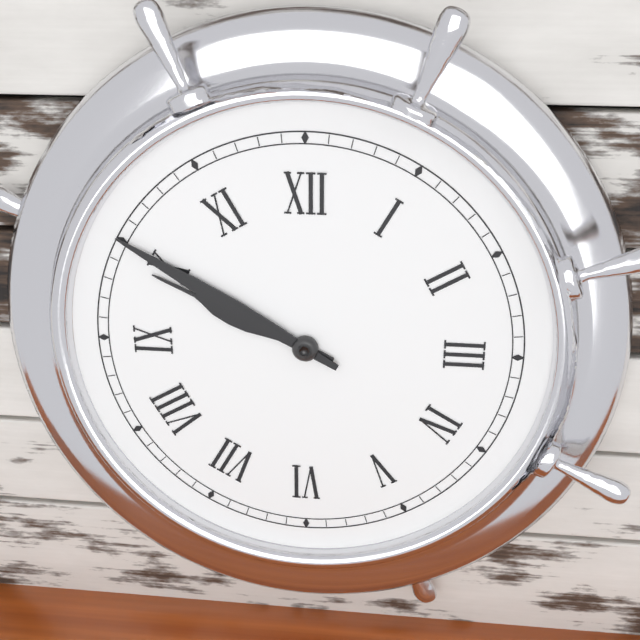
9:50
